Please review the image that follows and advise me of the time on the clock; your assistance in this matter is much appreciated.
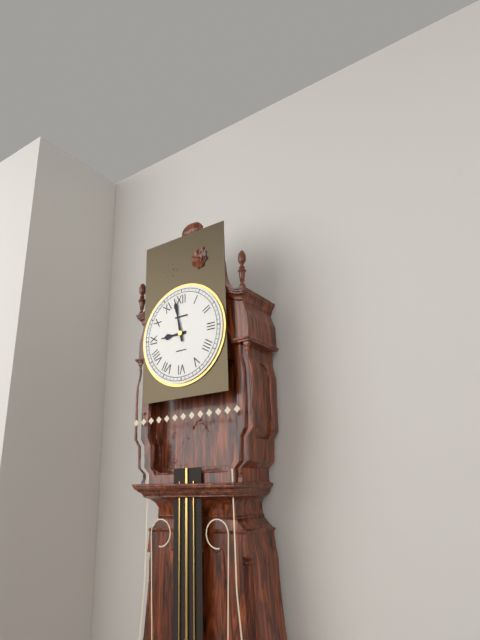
8:58
